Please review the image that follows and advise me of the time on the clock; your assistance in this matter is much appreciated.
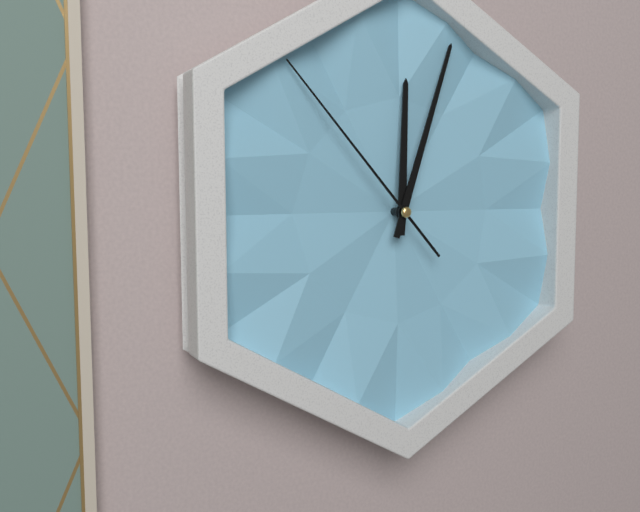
12:03:53
